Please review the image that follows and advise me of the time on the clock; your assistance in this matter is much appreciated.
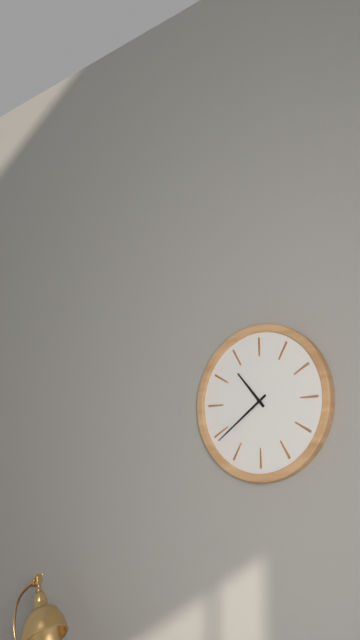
10:39
